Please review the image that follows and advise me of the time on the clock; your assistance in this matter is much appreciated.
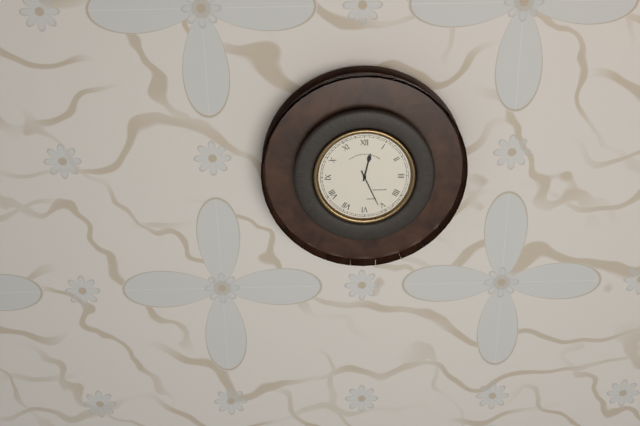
12:26
